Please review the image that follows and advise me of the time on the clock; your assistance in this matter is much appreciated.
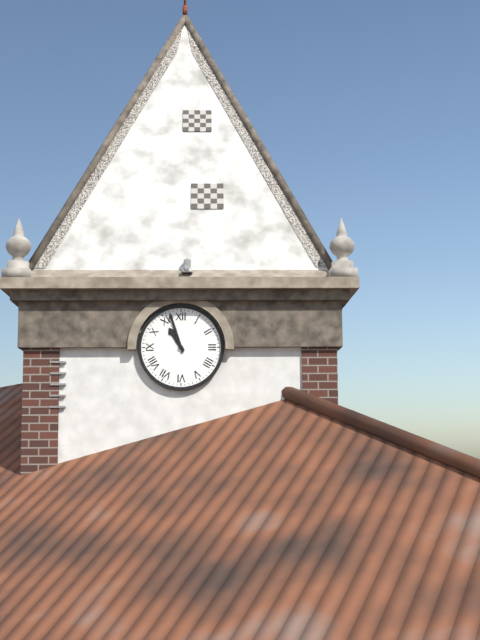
10:57
